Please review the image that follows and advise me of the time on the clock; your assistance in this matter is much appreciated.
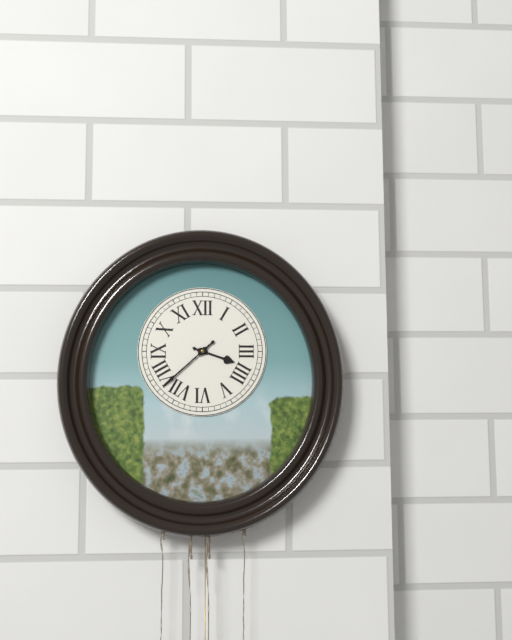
3:38
